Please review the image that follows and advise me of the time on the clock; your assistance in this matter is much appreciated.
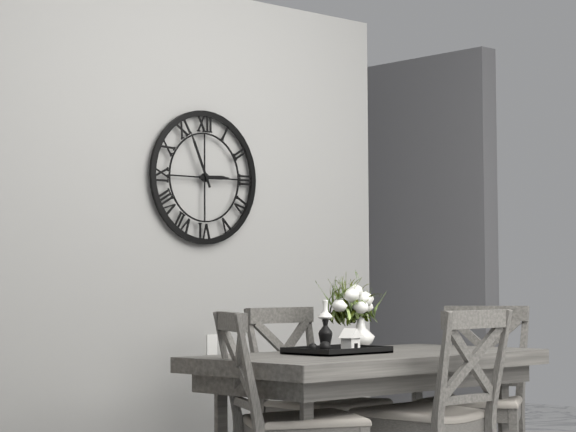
2:56
